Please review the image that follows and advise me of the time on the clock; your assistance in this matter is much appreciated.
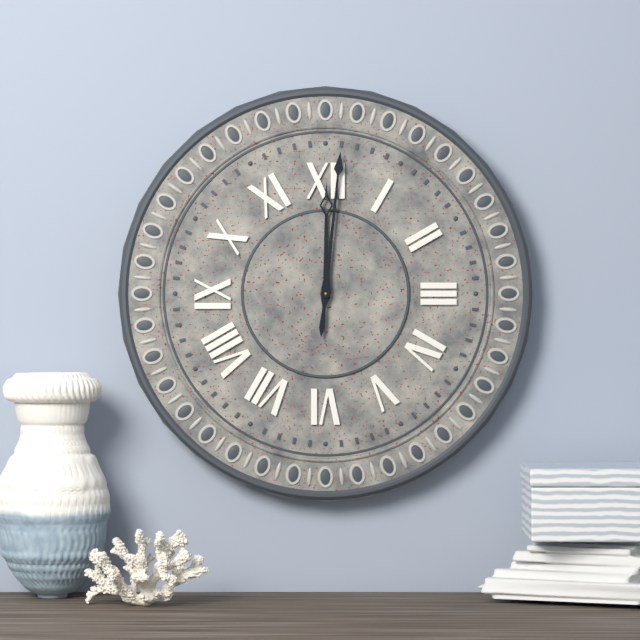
12:01
